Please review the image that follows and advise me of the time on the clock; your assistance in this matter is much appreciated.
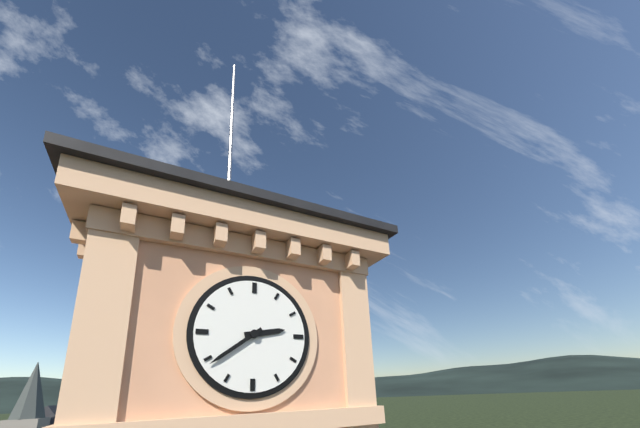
2:39
